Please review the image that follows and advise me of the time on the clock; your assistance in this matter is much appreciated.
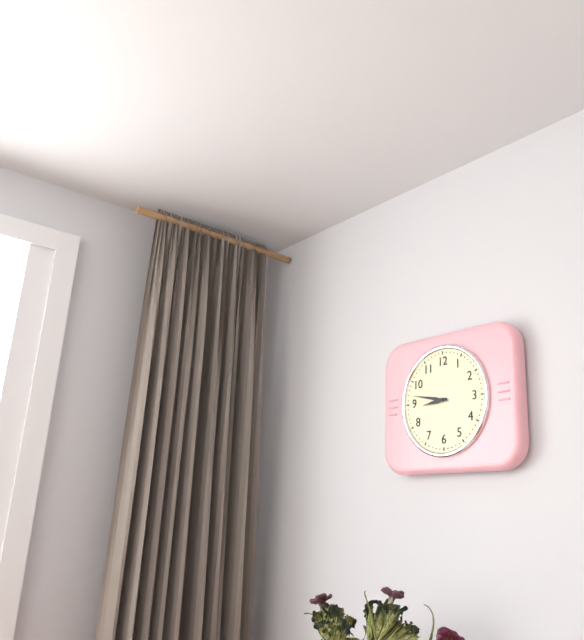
8:47
